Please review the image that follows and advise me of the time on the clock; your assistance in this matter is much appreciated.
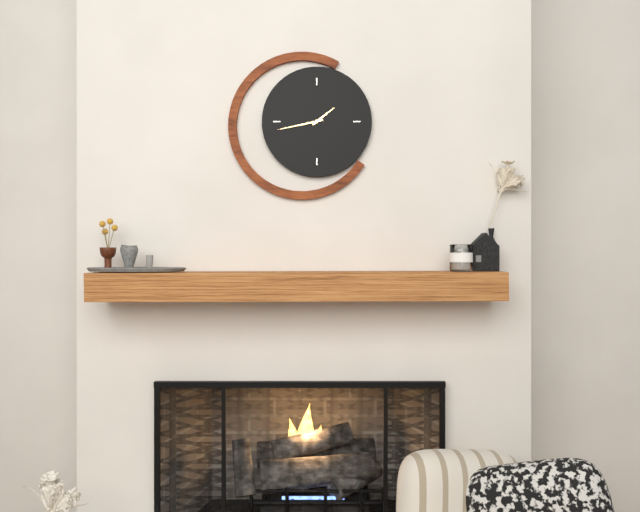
1:43
